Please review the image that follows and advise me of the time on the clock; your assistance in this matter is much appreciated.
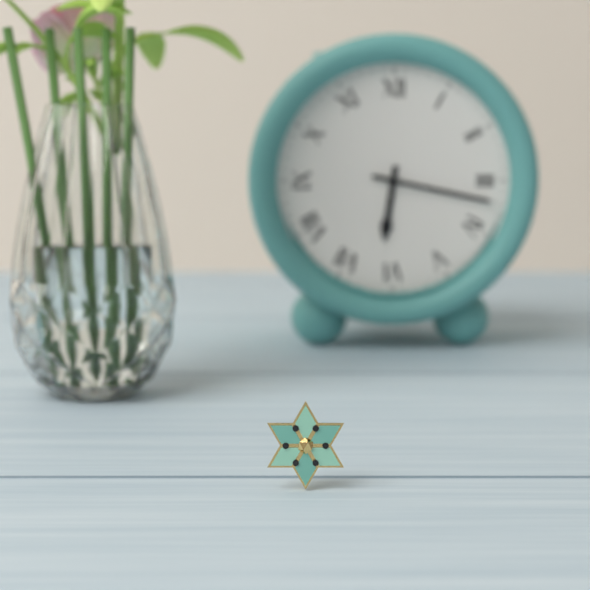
6:17
